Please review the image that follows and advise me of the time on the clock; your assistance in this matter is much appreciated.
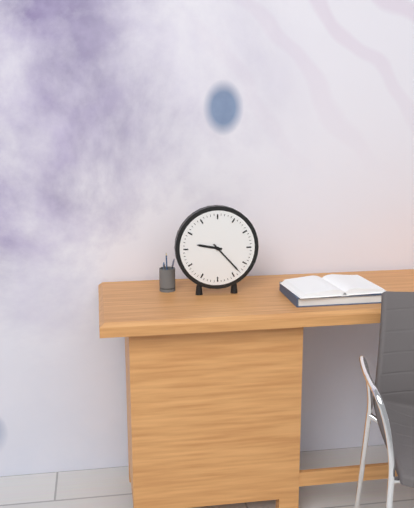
9:23
